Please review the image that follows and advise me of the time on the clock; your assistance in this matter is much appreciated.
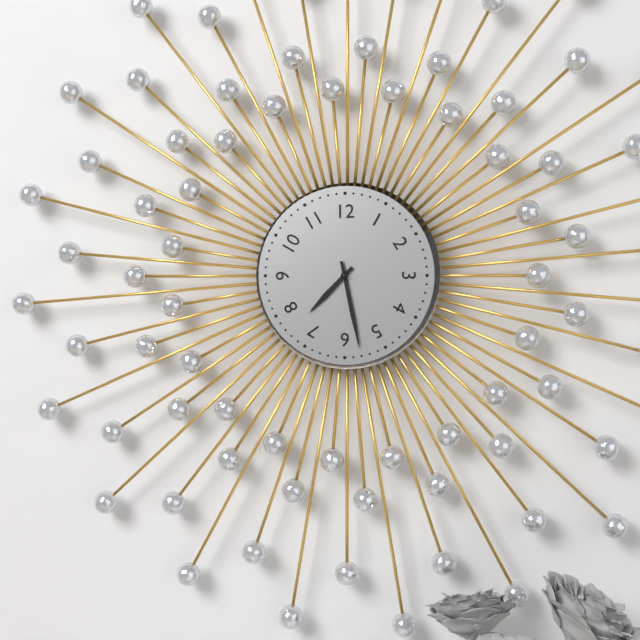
7:28
